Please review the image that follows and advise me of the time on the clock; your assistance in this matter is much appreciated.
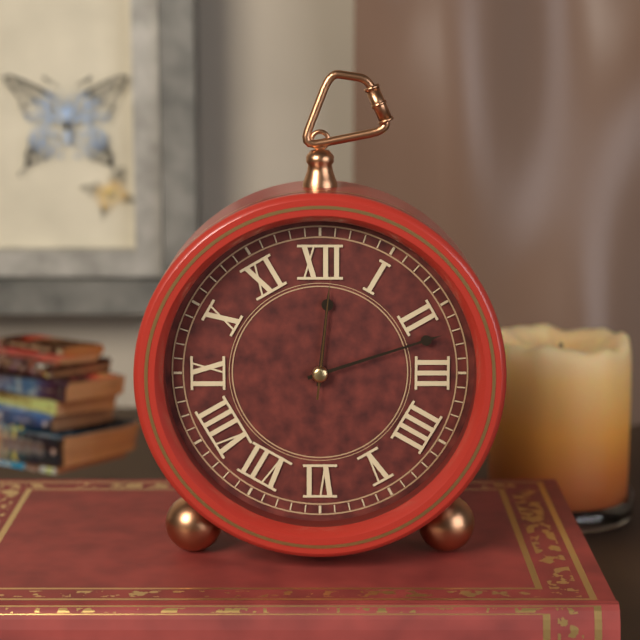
12:12:01
